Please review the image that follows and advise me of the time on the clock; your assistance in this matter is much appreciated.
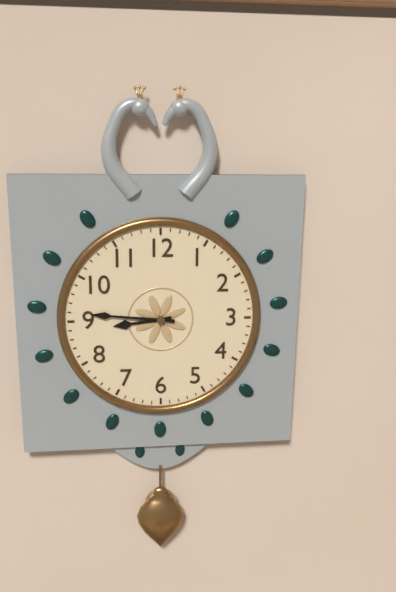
8:46
